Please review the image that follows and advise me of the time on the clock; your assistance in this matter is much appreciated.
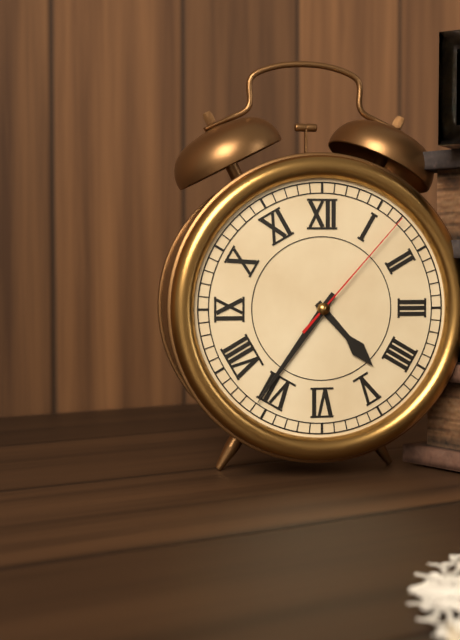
4:36:07
